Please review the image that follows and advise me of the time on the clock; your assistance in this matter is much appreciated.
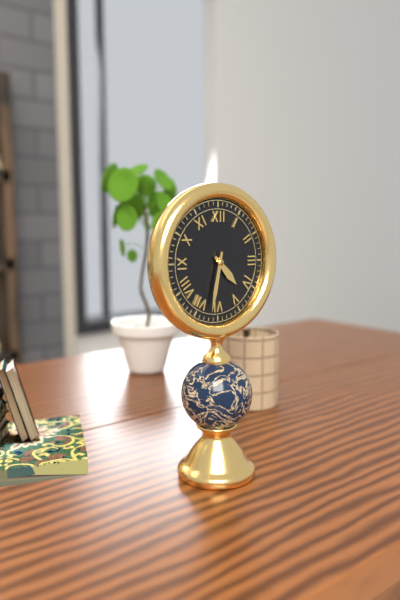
4:32
